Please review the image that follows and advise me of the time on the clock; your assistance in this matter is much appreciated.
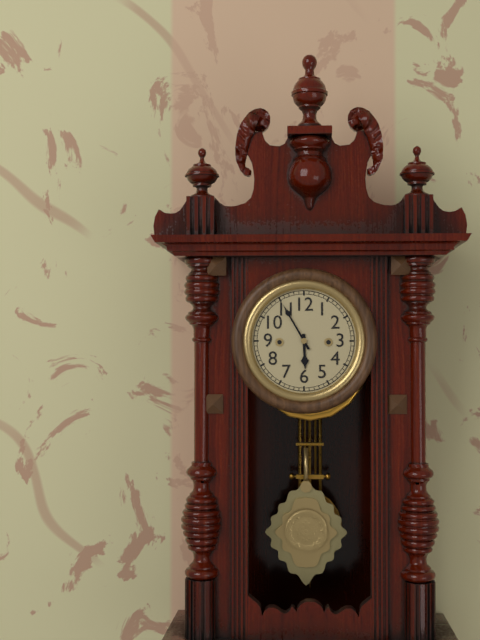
5:55
